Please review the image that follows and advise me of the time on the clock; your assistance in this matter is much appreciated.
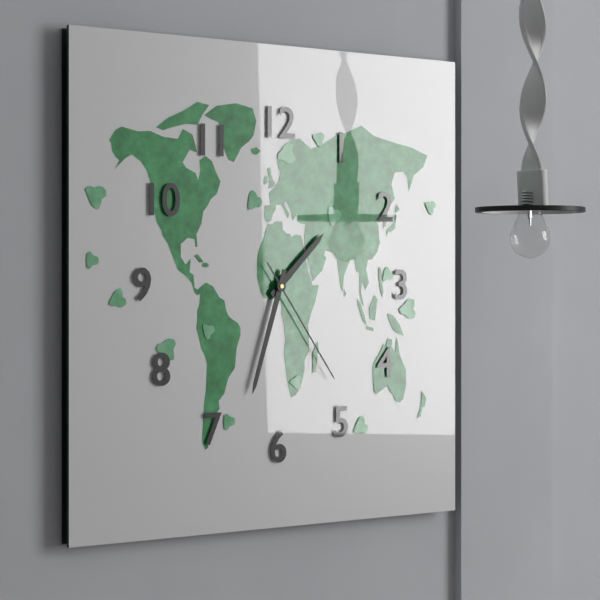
1:33:24
